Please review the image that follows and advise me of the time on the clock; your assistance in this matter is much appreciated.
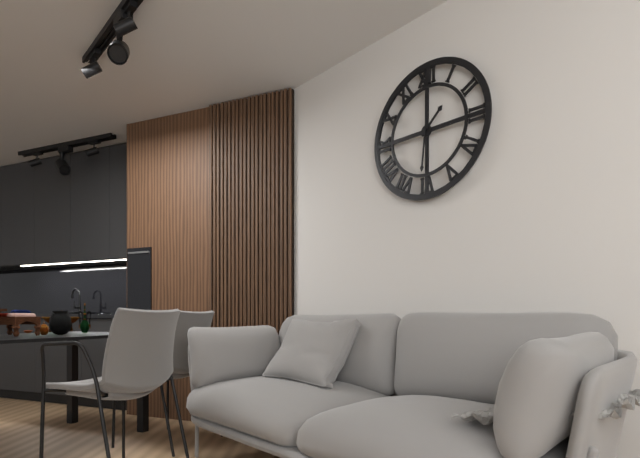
1:31
